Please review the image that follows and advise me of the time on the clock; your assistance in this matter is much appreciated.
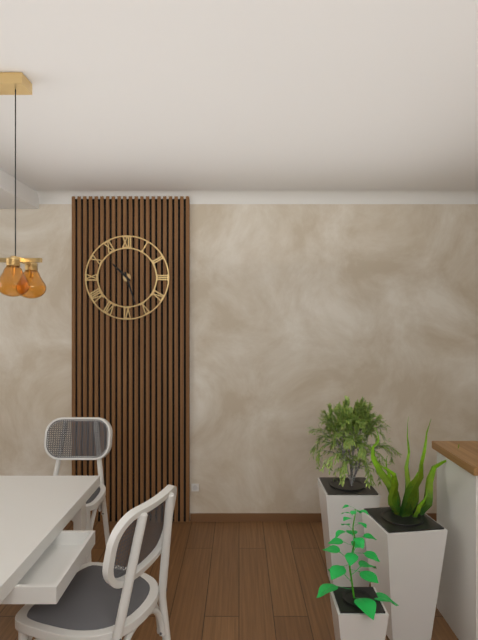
10:27
